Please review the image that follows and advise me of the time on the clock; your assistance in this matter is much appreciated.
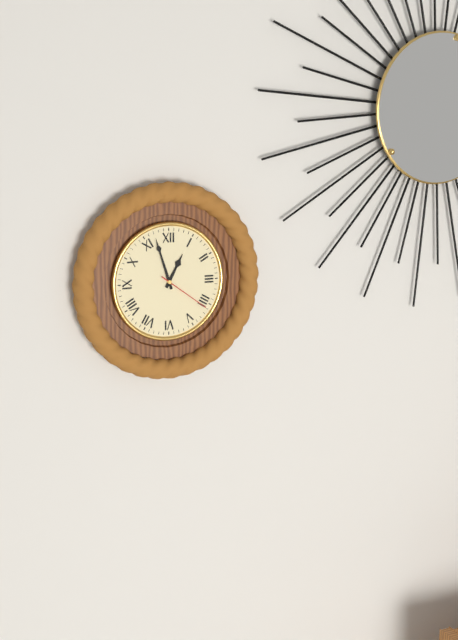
12:57:21
